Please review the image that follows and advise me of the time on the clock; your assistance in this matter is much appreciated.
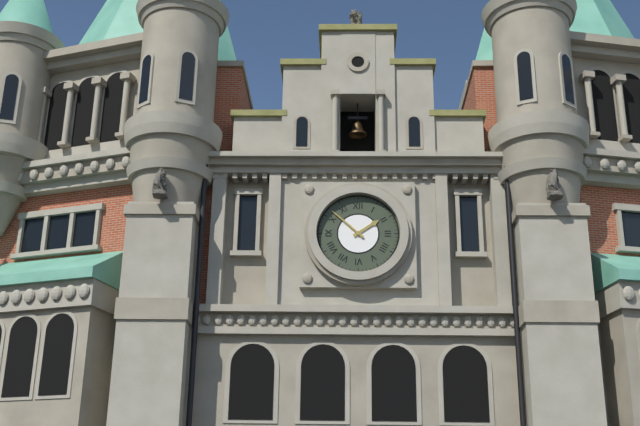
1:52
